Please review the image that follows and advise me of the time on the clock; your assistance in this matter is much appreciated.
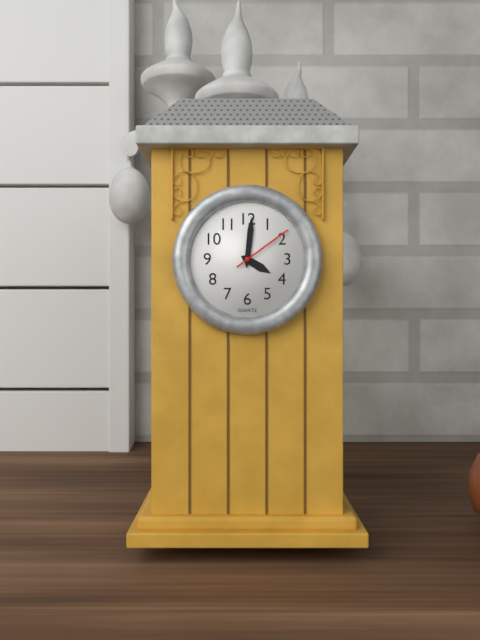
4:01:09
